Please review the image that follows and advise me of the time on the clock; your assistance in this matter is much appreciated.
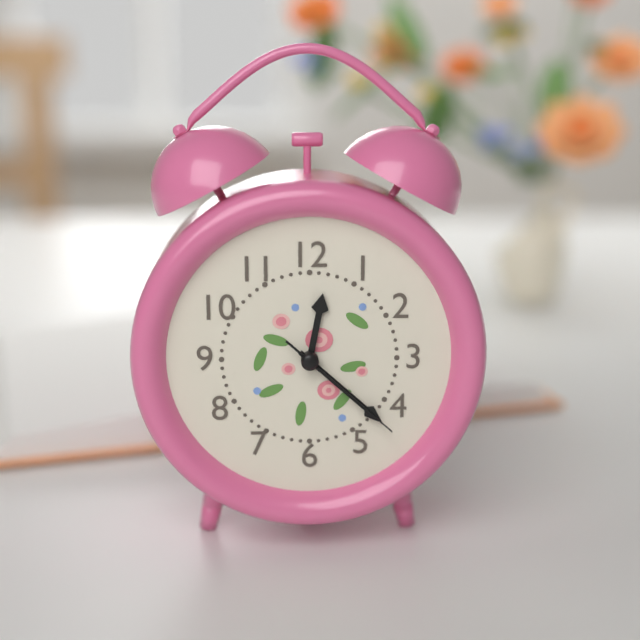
12:22:22
